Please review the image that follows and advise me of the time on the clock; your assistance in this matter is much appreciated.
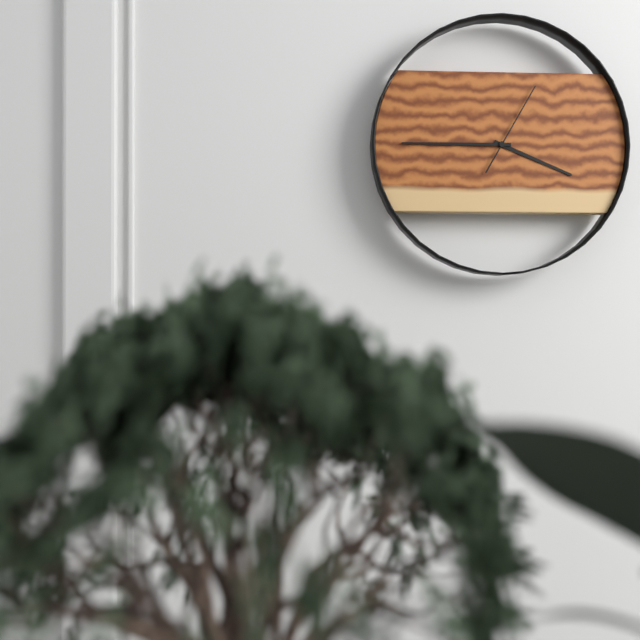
3:45:05
